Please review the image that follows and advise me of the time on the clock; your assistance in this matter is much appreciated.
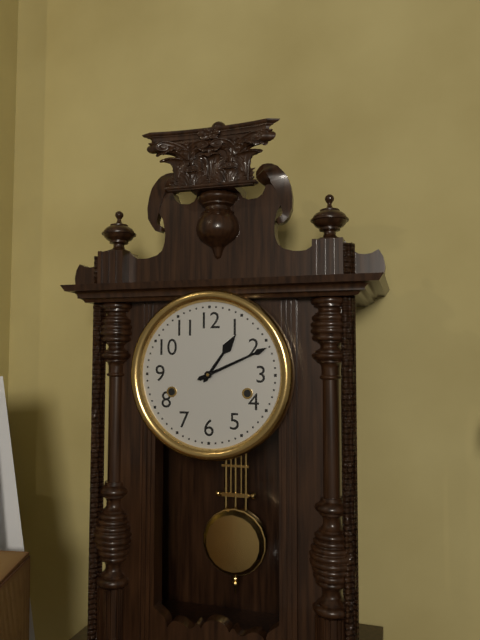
1:11
